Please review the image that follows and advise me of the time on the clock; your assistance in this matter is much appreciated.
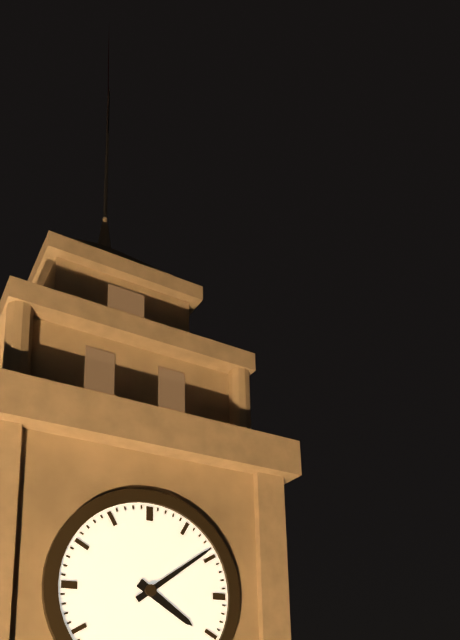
4:09
